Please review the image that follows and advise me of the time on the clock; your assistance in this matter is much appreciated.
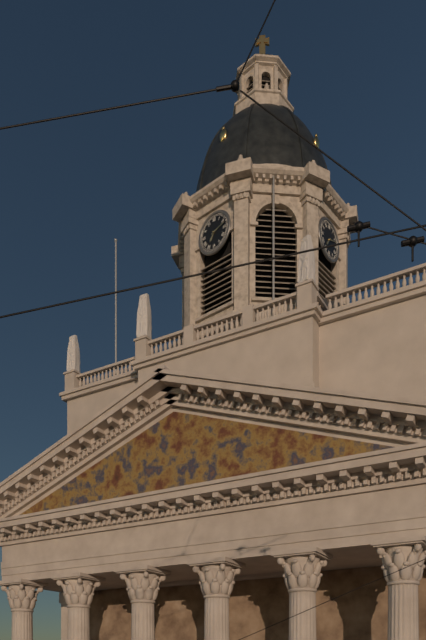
7:12
